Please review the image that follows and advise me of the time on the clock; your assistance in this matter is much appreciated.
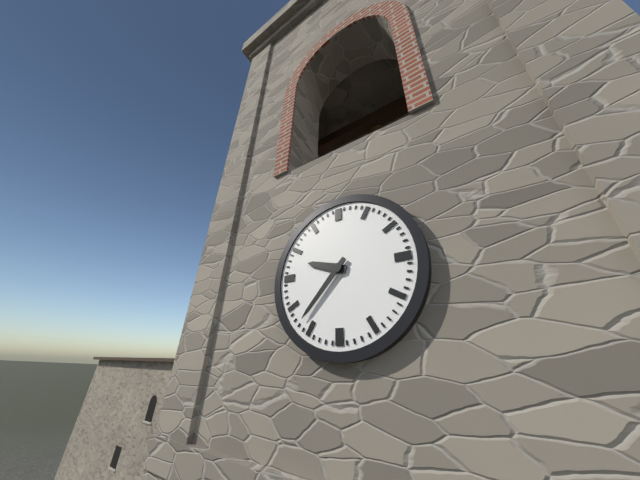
9:37
